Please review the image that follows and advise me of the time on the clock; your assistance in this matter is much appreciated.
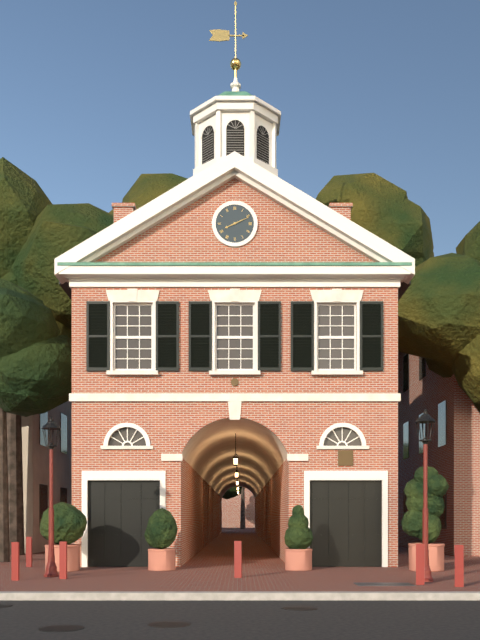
8:11
